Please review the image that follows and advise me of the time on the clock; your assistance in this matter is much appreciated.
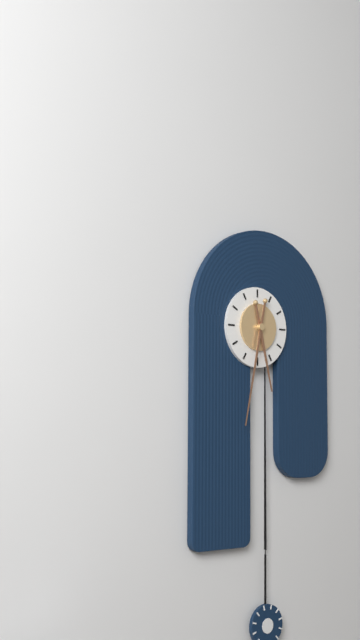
5:32
